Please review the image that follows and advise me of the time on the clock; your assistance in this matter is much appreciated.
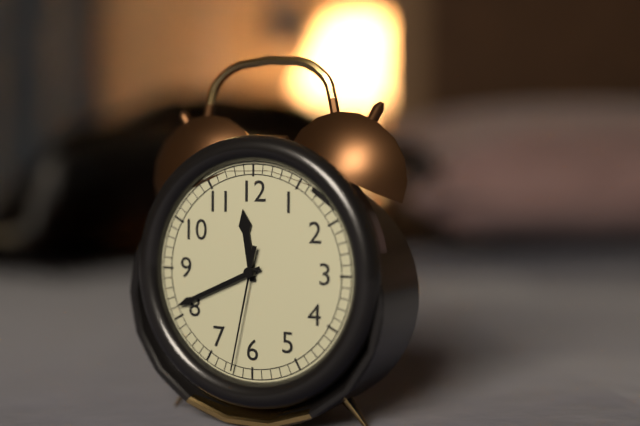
11:41:32
